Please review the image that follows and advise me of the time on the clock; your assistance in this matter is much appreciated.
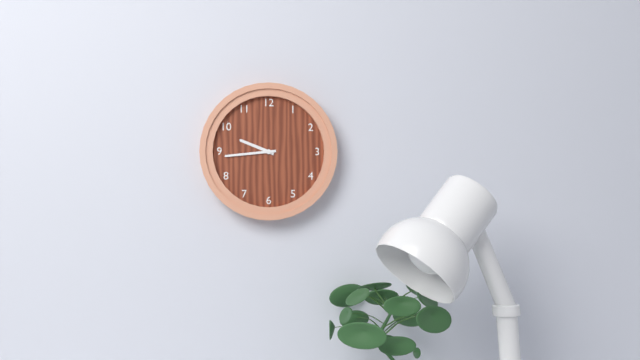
9:44
